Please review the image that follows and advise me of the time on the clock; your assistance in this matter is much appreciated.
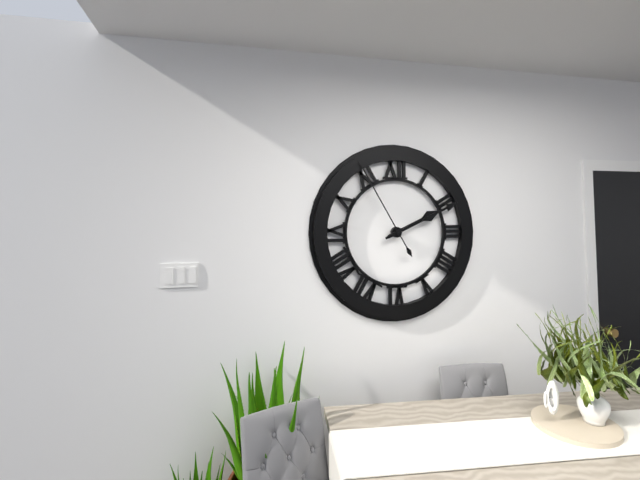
2:11:55
